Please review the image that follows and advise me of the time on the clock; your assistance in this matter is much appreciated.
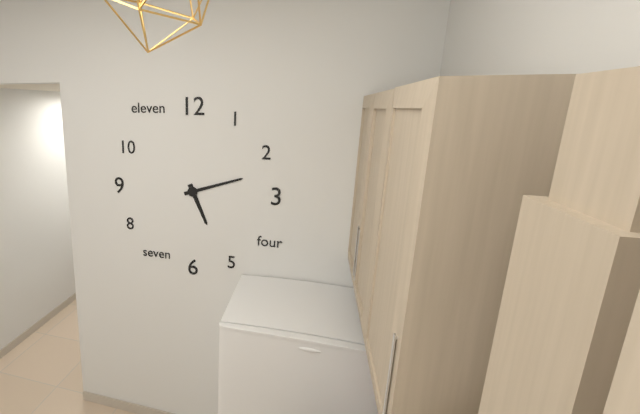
5:12
